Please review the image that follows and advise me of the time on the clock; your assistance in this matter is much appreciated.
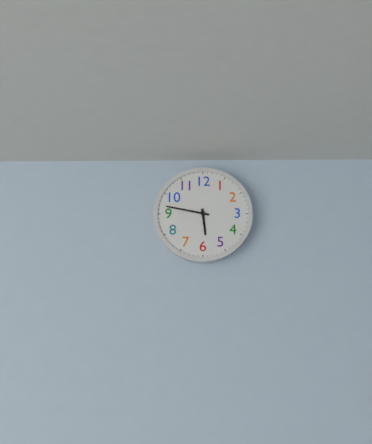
5:47
